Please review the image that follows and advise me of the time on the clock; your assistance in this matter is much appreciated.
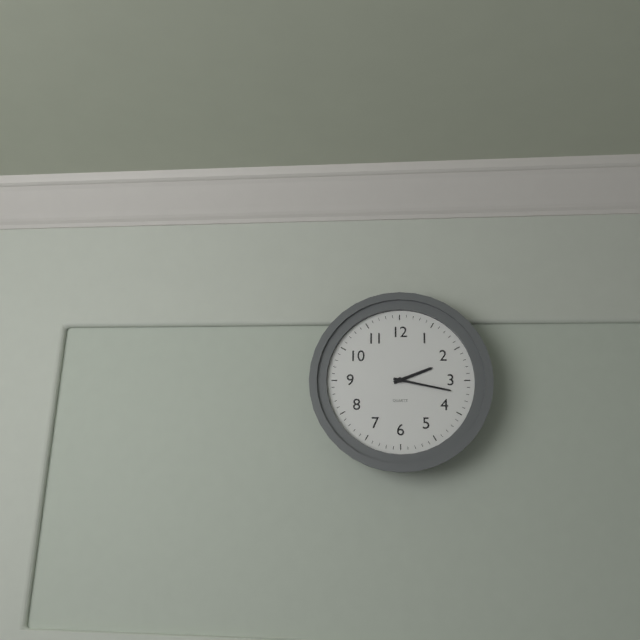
2:17
